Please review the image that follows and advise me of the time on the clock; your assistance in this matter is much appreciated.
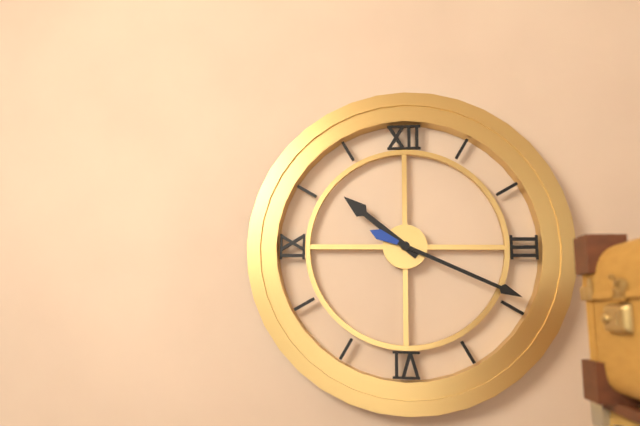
10:19
